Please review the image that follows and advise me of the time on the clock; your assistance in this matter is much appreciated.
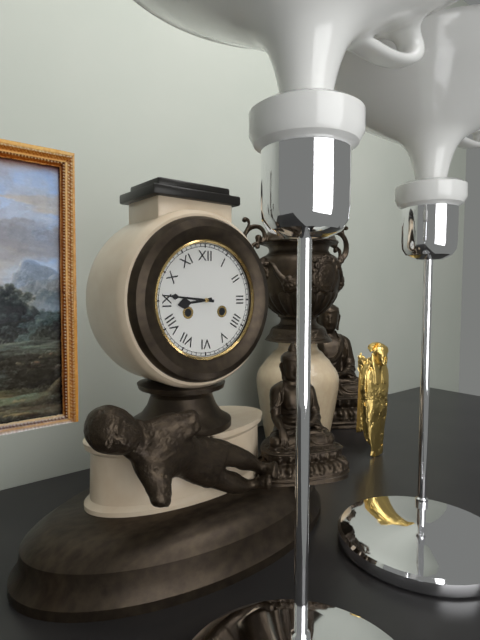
8:46
